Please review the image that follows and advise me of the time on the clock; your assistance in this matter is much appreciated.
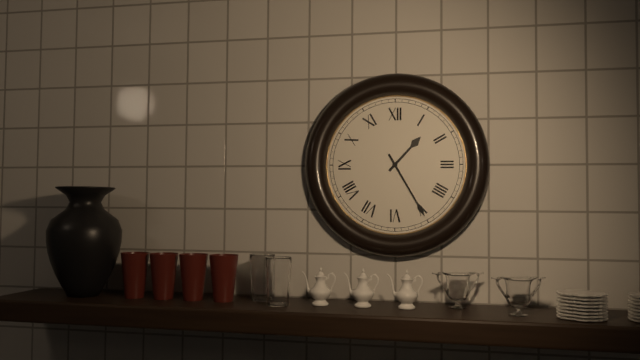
1:25
